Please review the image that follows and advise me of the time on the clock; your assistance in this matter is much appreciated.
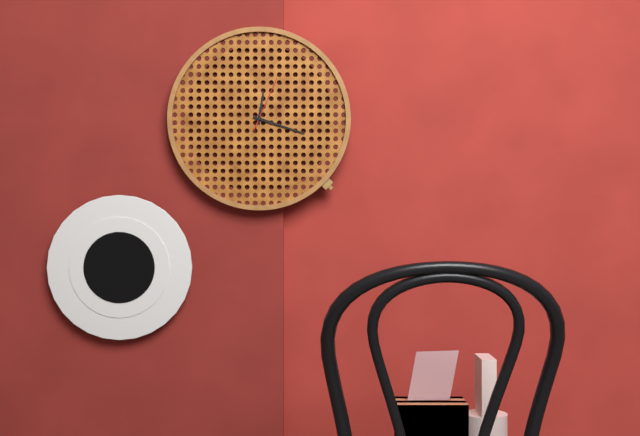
12:18:04
